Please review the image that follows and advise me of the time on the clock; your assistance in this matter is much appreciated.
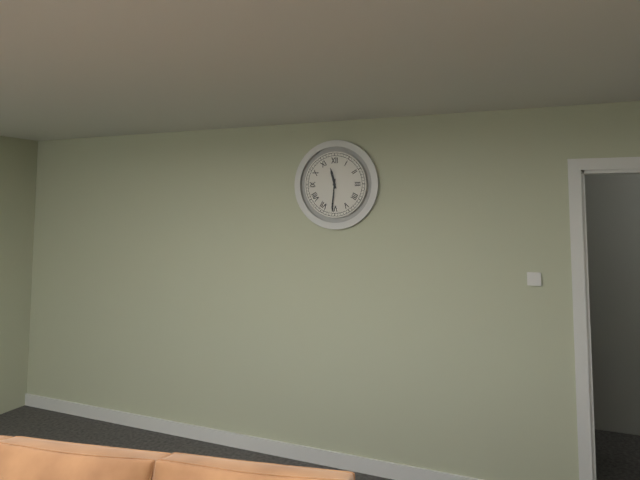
11:31
